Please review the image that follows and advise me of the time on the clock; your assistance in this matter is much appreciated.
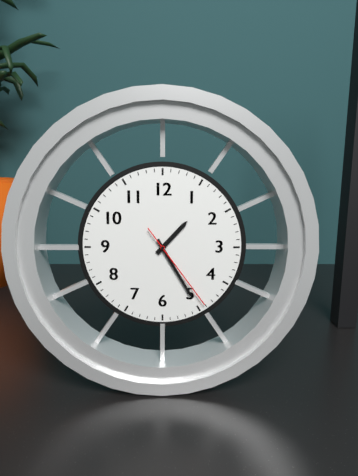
1:25:24
